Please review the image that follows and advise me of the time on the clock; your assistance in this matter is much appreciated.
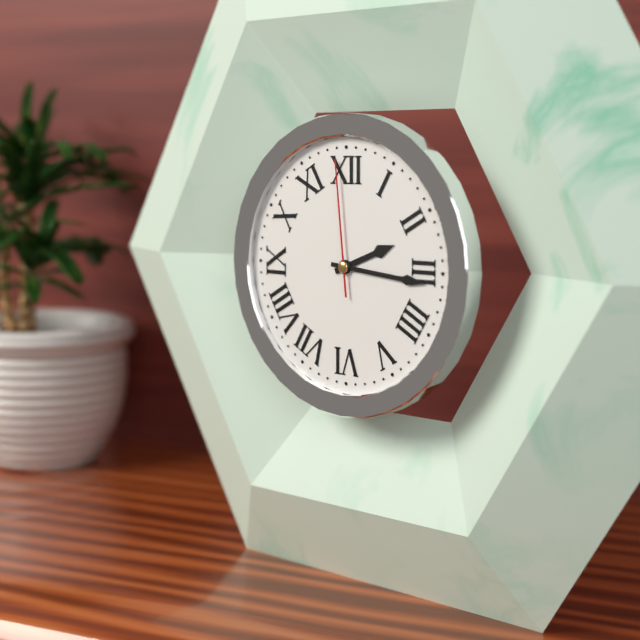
2:16:59
